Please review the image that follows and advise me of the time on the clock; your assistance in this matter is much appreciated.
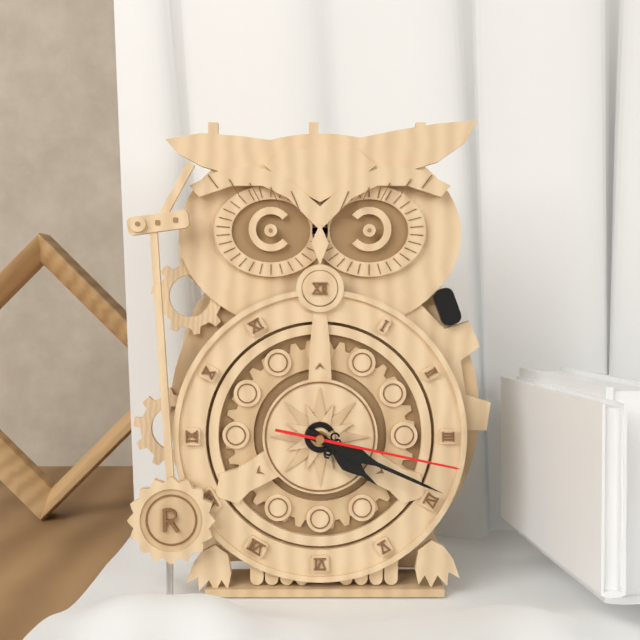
4:19:17
